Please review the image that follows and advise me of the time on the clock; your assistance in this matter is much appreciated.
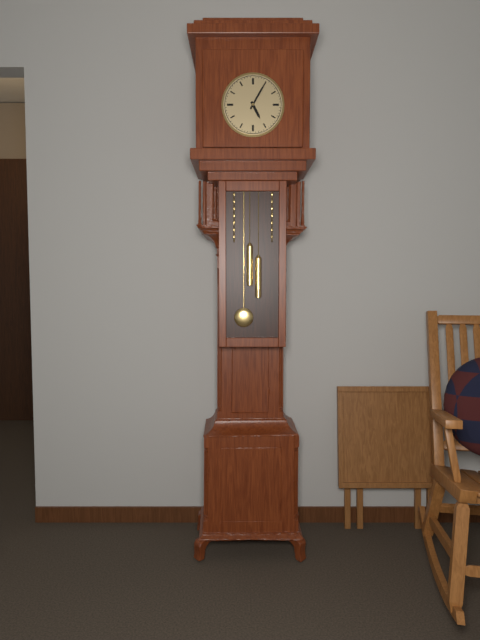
5:05
